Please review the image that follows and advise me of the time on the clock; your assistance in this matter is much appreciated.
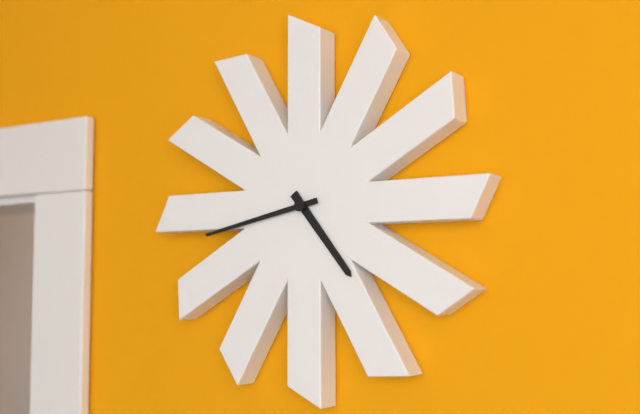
4:43
